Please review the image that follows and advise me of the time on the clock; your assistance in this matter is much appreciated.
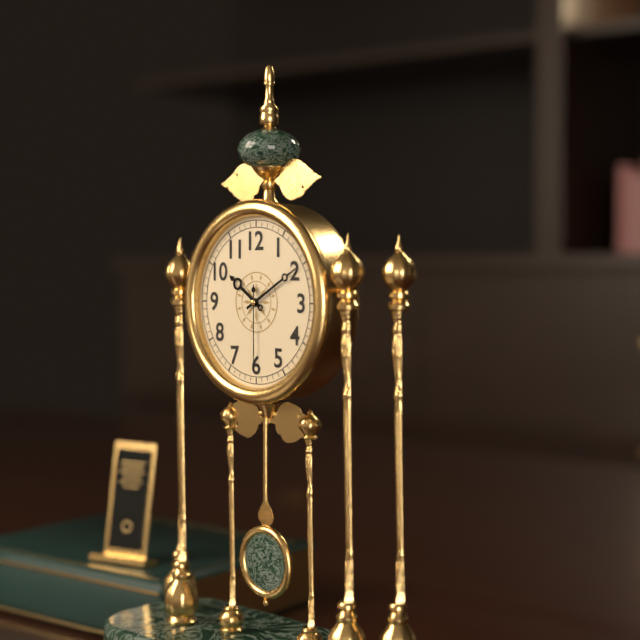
10:10:30
